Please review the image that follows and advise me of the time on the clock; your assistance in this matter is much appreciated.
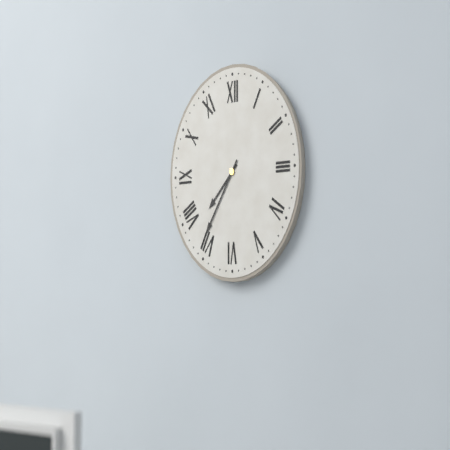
7:36
